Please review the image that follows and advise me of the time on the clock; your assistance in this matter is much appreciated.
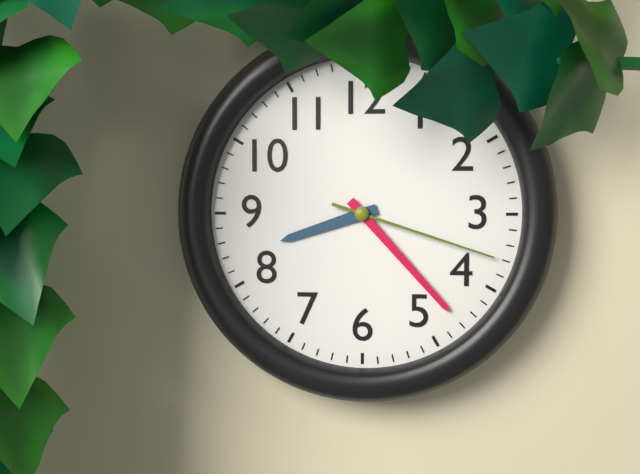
8:23:18
